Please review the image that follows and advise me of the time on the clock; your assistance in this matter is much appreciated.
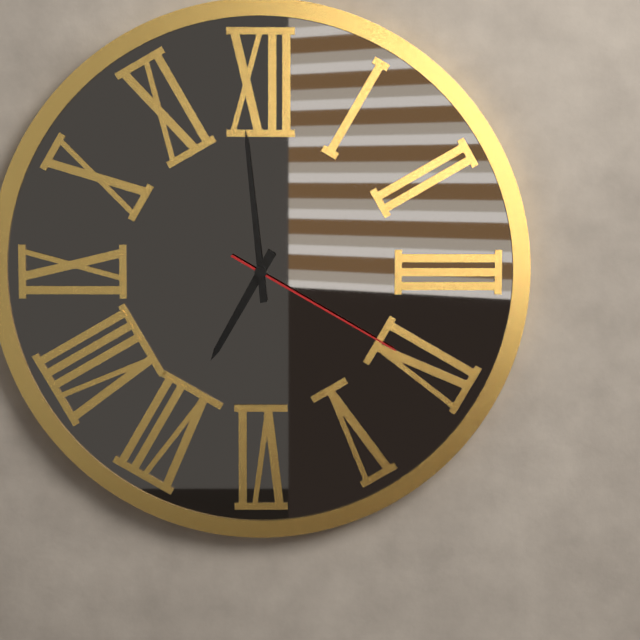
6:59:20
